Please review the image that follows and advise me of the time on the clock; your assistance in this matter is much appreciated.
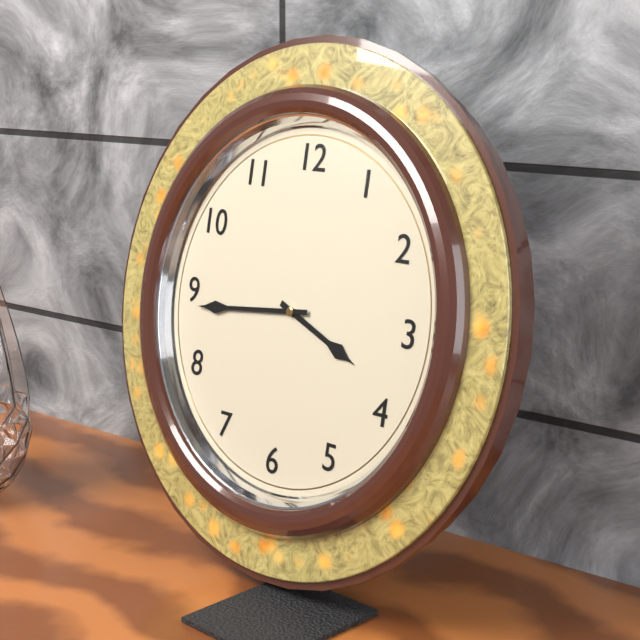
3:44
